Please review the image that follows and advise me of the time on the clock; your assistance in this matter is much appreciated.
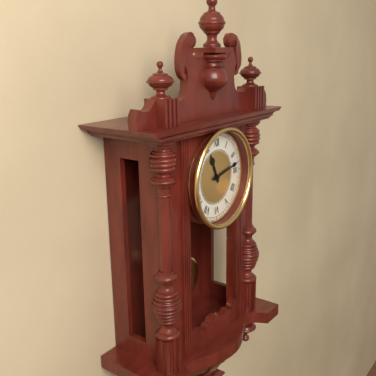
11:13
